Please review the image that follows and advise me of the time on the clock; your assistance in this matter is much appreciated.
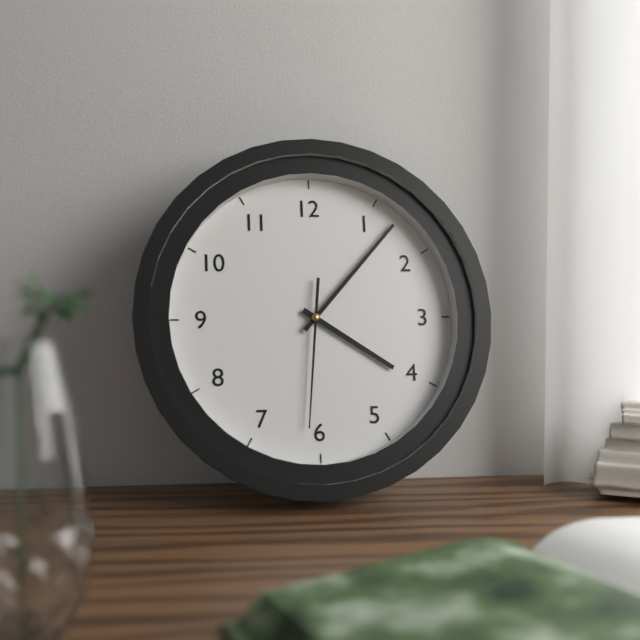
4:07:31
